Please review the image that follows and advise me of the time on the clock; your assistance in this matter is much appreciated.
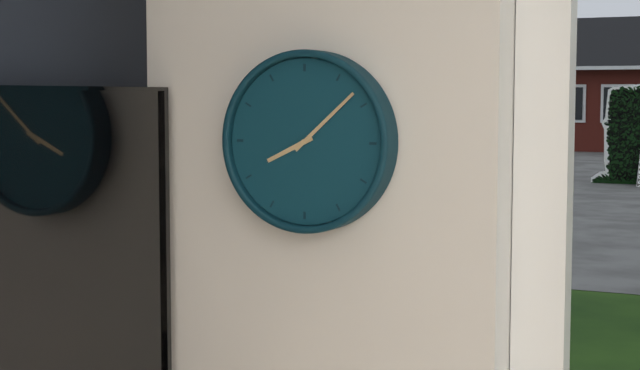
8:08
